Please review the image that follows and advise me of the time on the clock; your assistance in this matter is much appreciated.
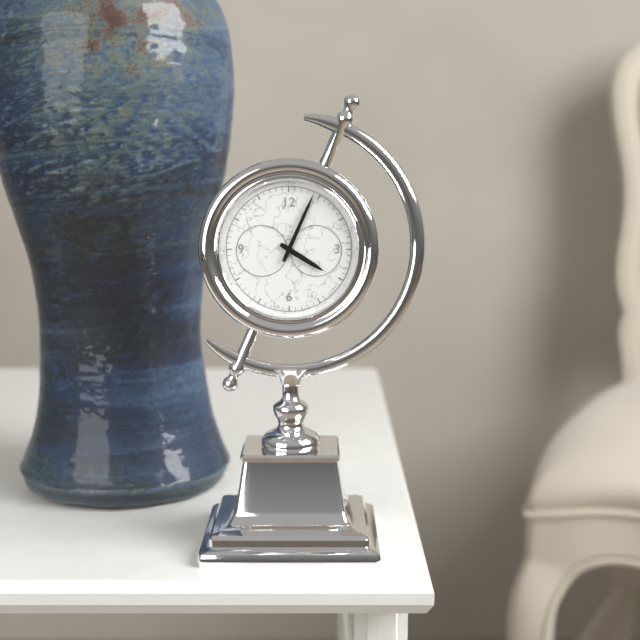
4:04
